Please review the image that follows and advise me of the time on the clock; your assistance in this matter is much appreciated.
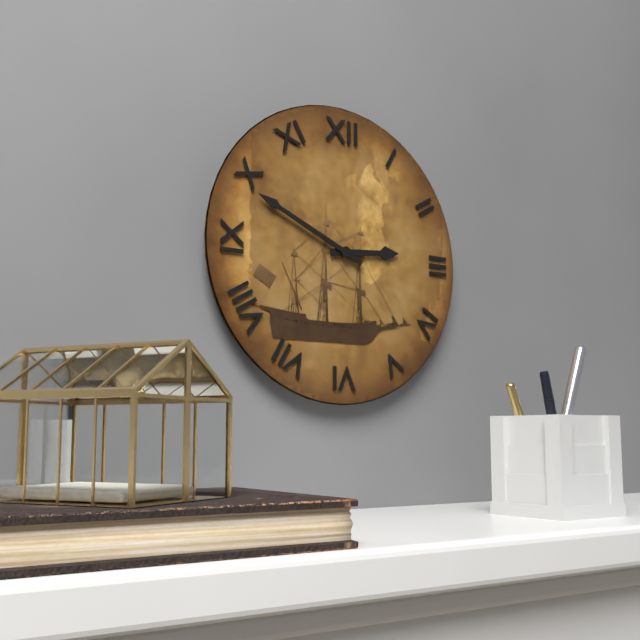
2:49
